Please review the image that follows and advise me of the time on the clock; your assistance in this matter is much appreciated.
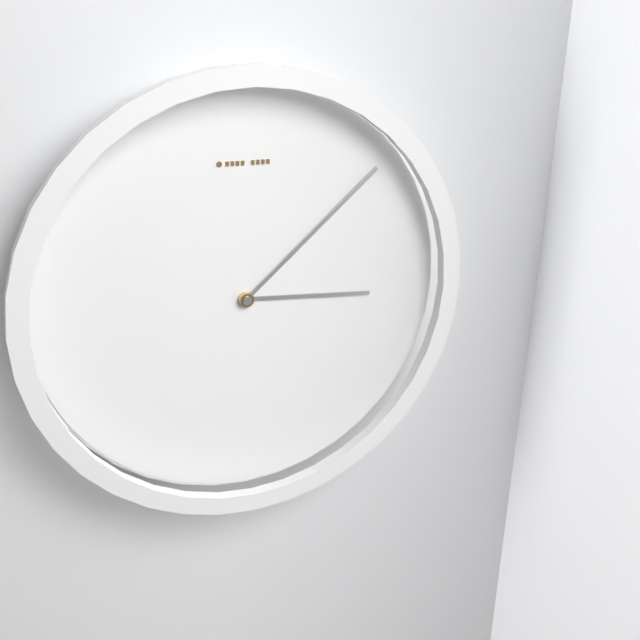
3:08
